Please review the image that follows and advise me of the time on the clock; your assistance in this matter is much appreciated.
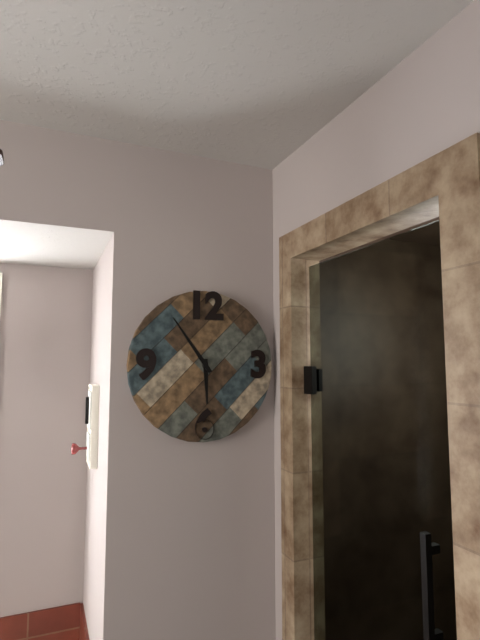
5:54
